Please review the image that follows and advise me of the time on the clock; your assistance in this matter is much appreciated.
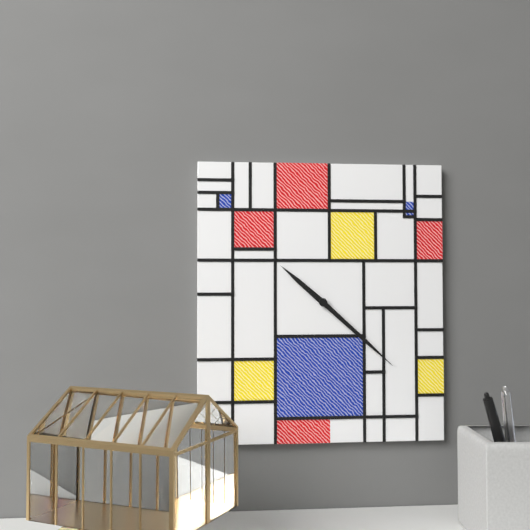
10:22
